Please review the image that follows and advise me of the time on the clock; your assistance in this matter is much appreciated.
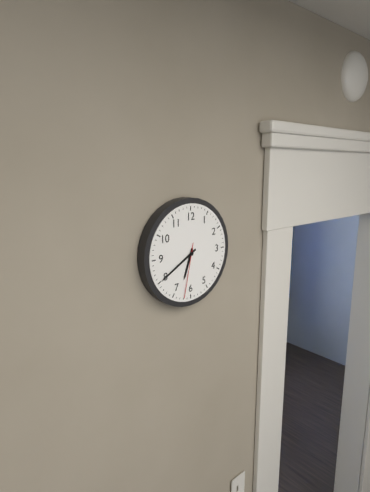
6:40:32
